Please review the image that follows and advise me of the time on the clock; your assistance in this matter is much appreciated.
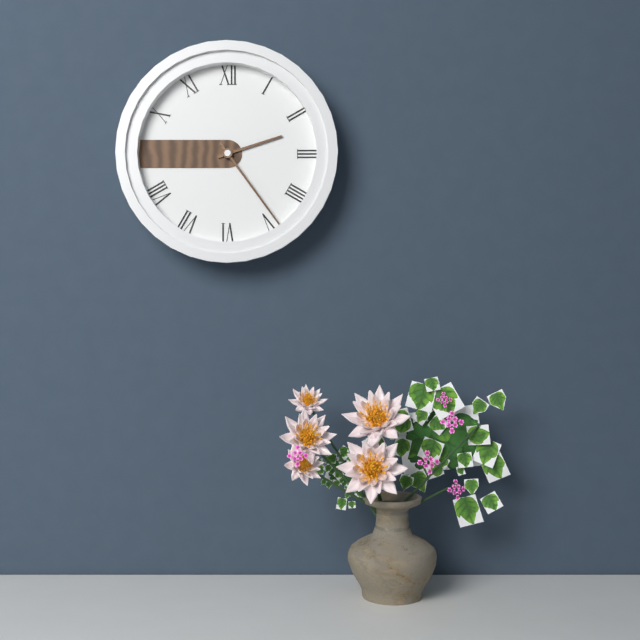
2:24
